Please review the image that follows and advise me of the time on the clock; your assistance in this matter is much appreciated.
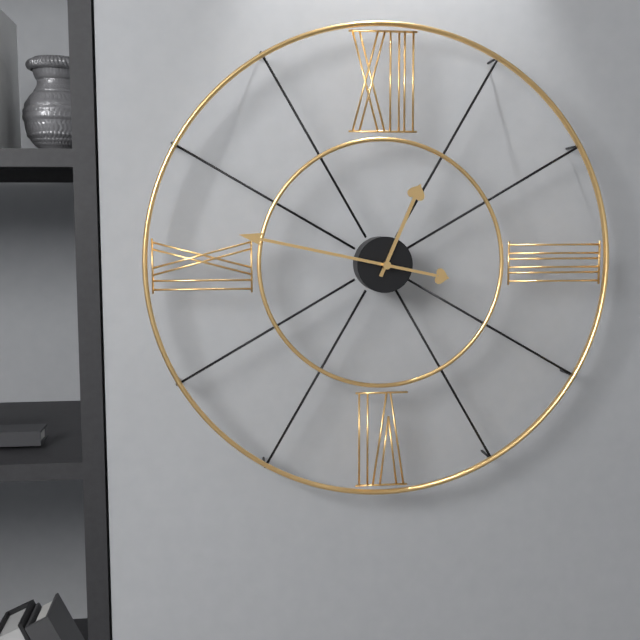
12:47
